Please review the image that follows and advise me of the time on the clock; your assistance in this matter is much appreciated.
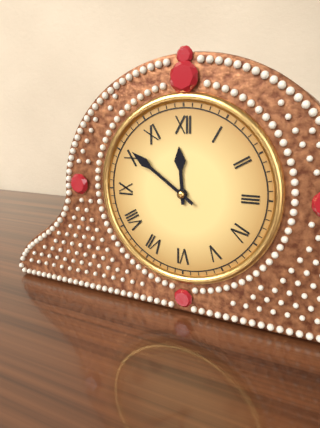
11:51
